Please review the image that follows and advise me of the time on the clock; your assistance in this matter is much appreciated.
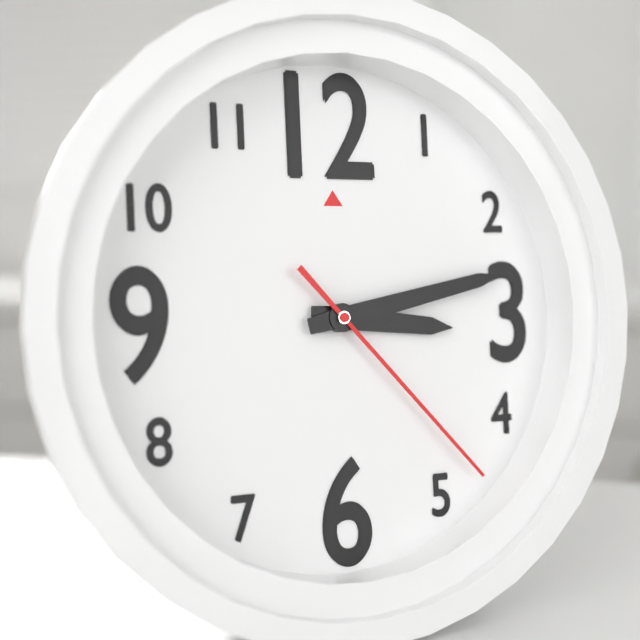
3:13:23
